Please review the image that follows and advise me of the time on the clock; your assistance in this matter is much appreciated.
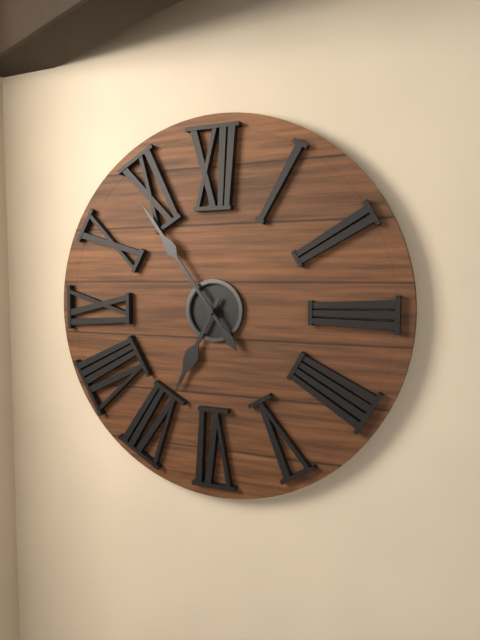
6:54
